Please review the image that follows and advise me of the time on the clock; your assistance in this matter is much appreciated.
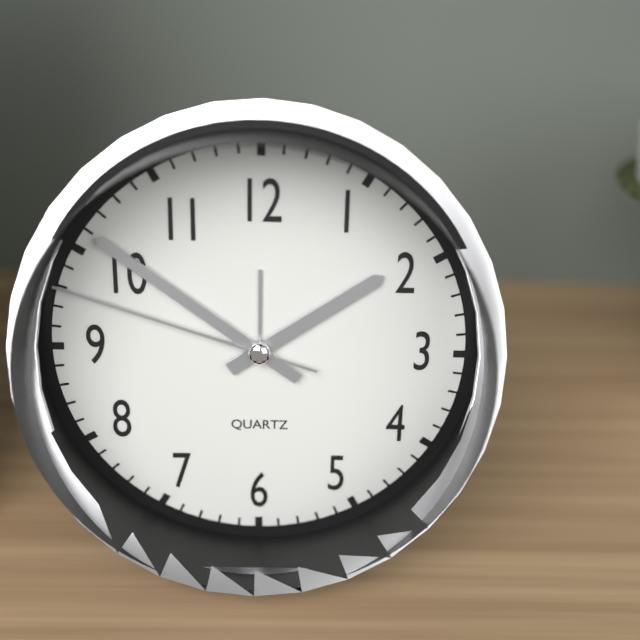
1:51:48
